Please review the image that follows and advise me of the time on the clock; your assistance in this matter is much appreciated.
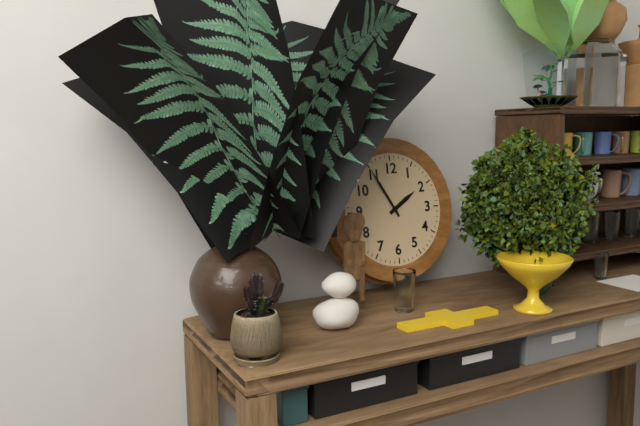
1:55
